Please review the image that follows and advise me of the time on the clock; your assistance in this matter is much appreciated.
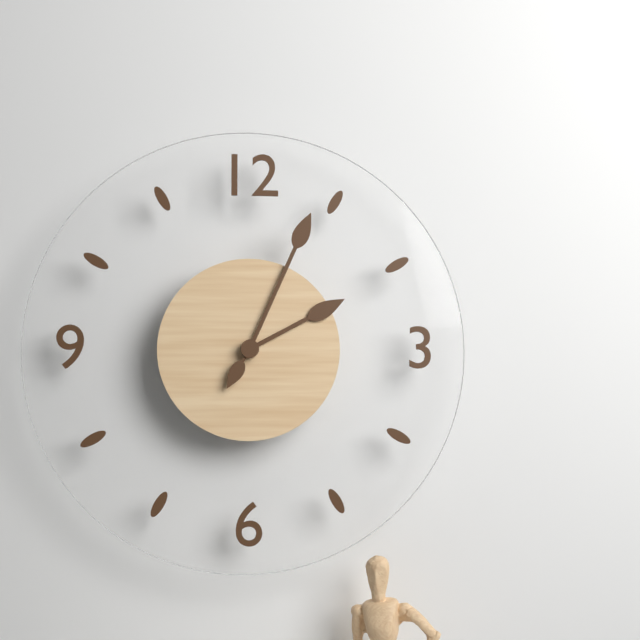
2:04:35
